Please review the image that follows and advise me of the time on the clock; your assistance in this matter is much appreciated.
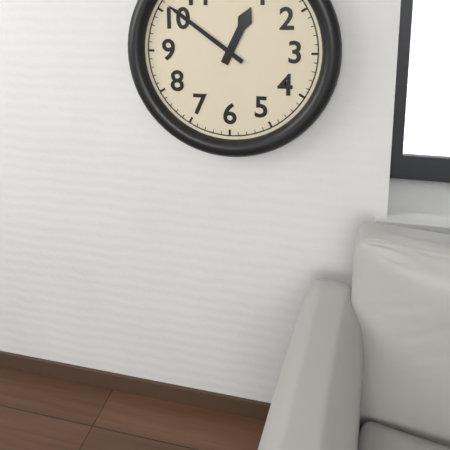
12:51
